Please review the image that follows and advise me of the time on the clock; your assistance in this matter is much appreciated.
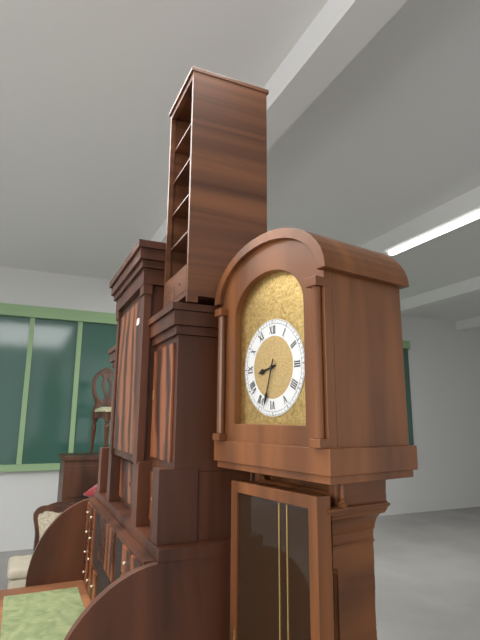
8:33
